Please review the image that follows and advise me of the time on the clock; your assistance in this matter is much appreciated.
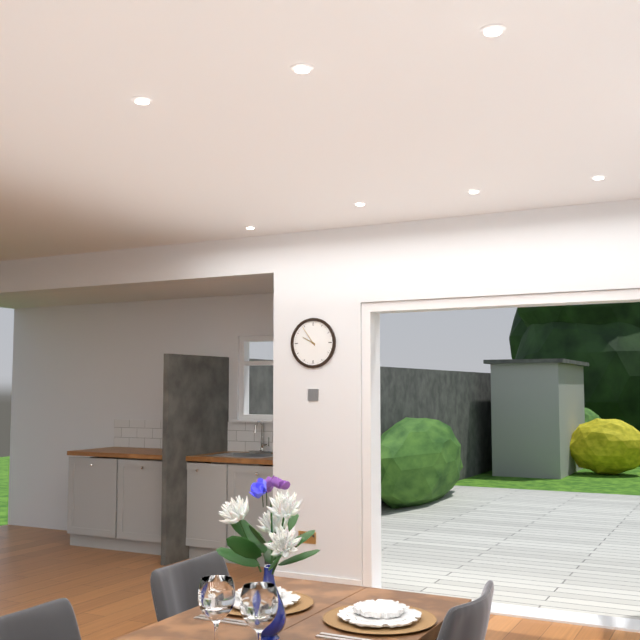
9:54
